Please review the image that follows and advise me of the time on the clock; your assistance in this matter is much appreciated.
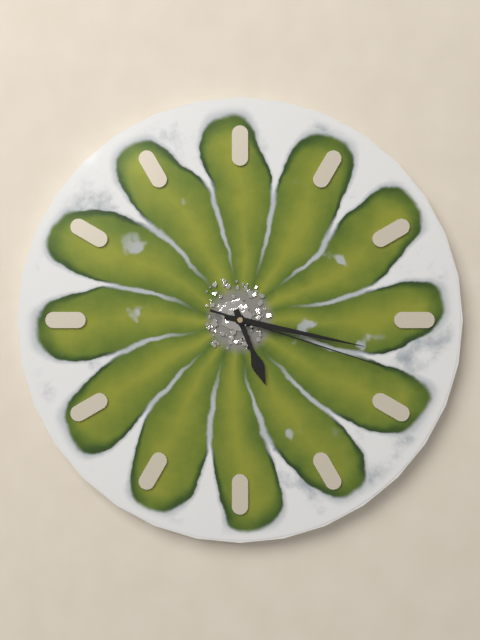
5:17:18
